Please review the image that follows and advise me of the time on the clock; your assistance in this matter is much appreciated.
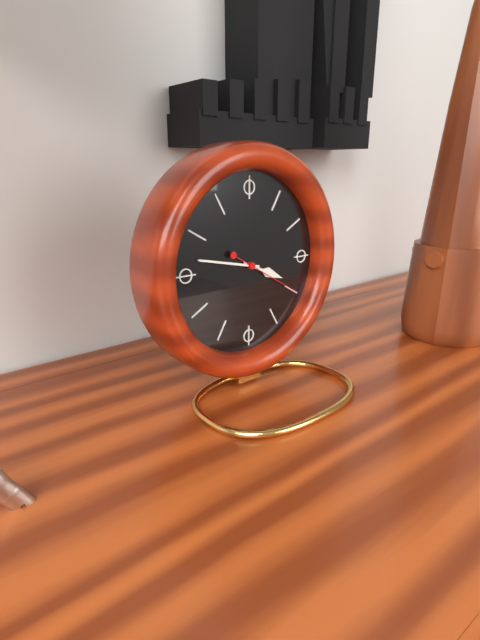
3:47:20
